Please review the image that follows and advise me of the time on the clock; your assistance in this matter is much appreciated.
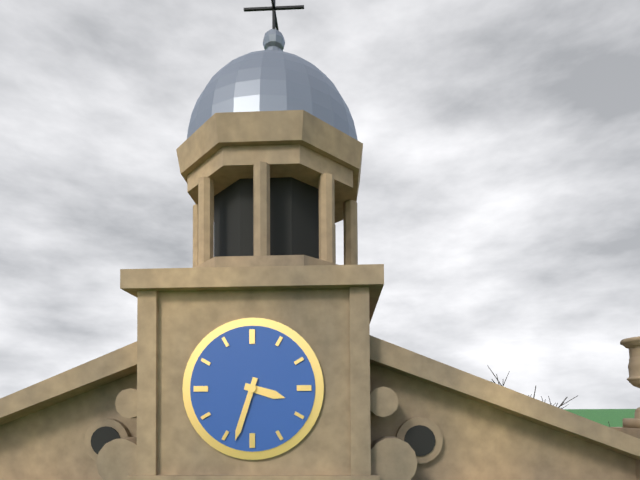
3:33
